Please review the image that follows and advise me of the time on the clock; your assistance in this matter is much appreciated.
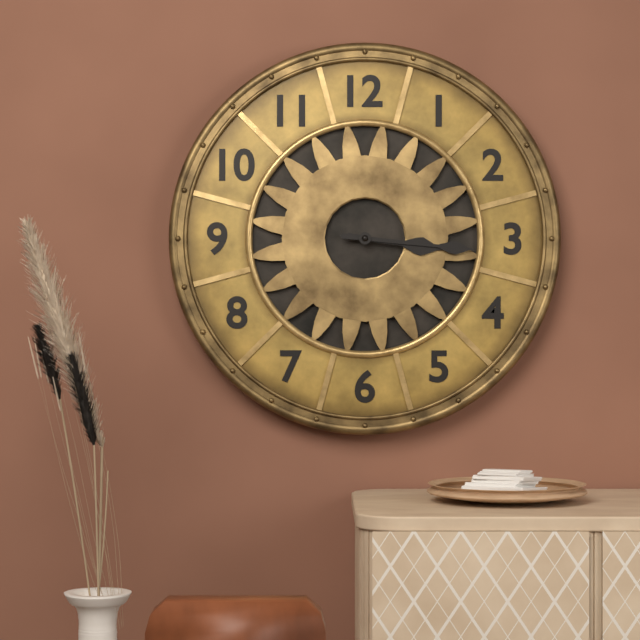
3:16
